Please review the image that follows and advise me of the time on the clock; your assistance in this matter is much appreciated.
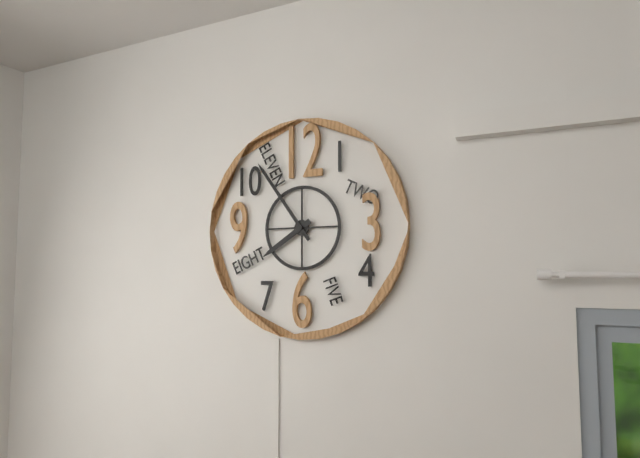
7:54
